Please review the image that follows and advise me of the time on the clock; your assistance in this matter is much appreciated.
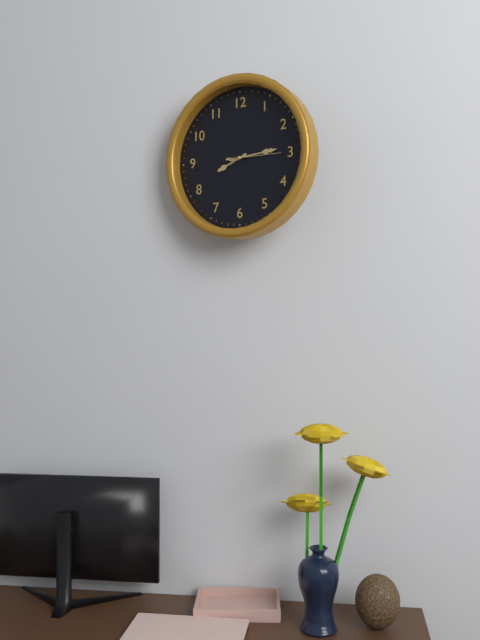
8:14:15
